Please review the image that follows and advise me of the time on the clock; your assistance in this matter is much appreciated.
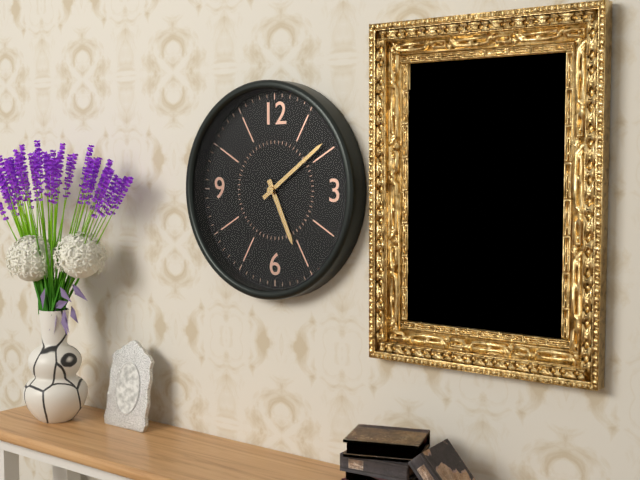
5:09
